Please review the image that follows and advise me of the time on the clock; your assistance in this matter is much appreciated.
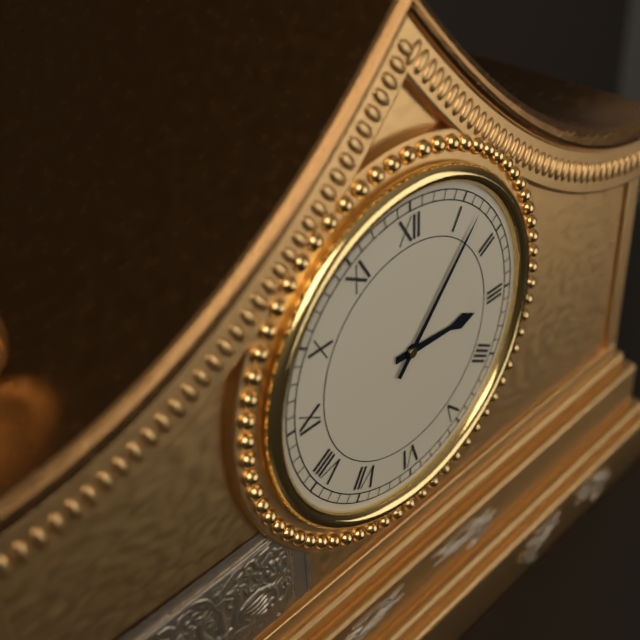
3:07
